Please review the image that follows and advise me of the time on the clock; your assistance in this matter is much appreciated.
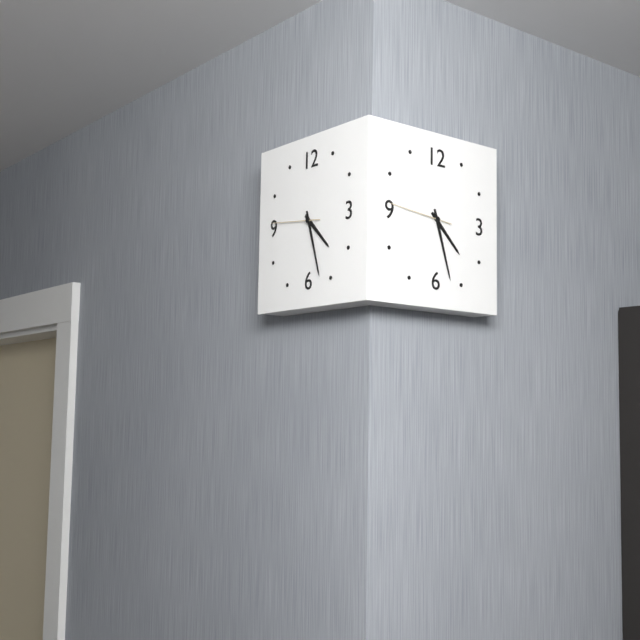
4:27
